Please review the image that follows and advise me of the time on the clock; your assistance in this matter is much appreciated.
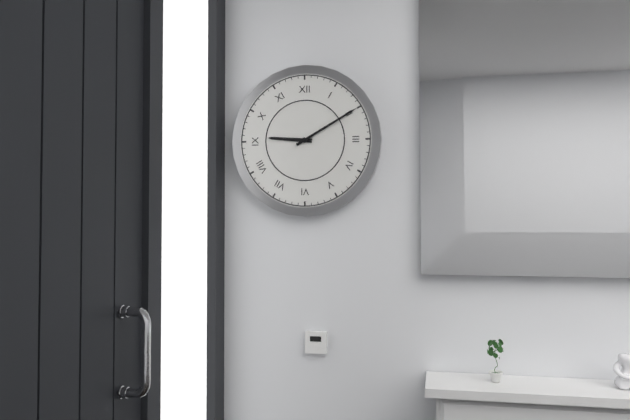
9:10
